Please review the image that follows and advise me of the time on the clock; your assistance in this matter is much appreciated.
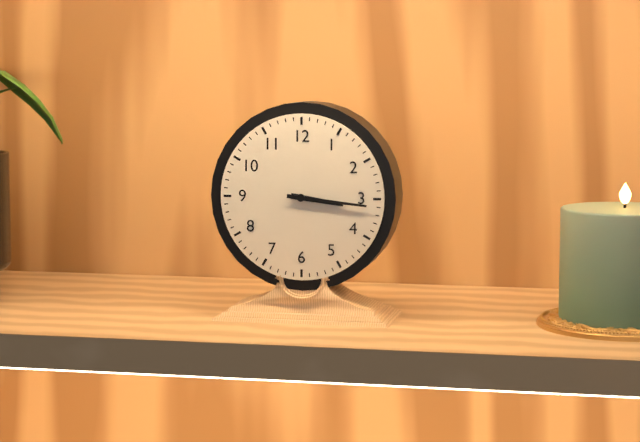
3:16
